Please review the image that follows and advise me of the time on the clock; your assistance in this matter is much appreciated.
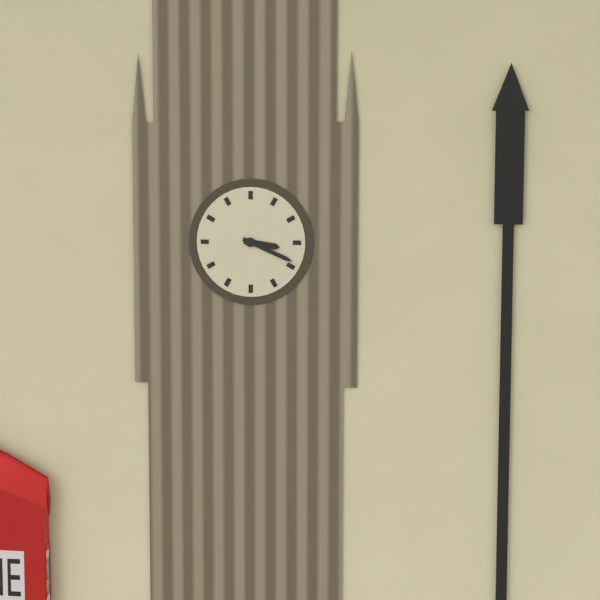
3:19
